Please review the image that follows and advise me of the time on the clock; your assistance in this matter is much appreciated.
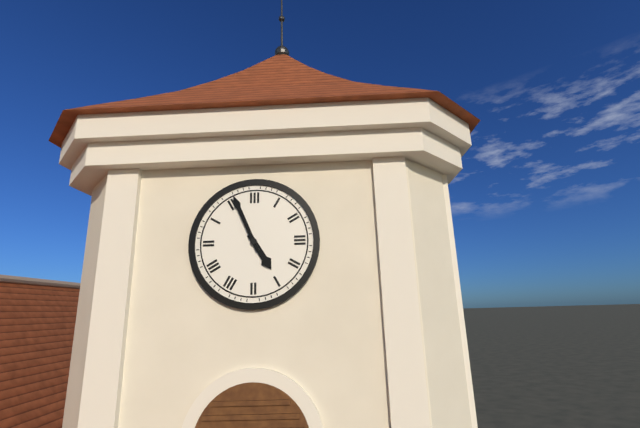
4:56
